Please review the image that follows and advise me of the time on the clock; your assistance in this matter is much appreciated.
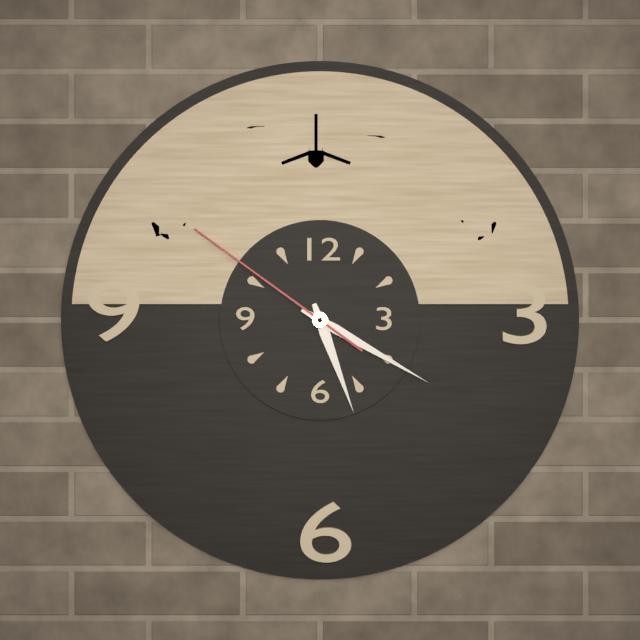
5:20:51
